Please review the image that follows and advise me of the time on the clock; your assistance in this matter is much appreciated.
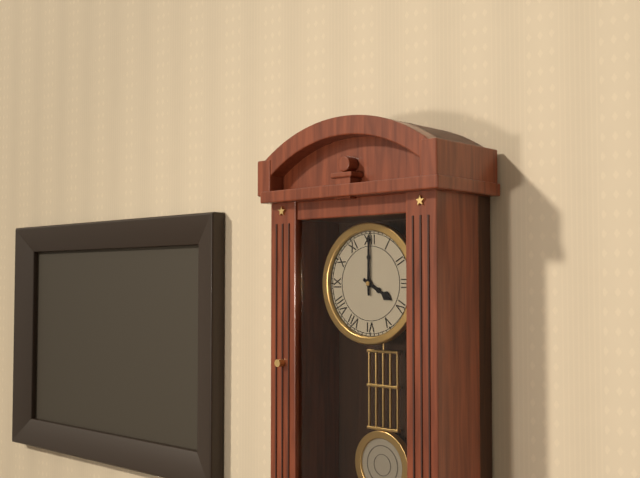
4:00
